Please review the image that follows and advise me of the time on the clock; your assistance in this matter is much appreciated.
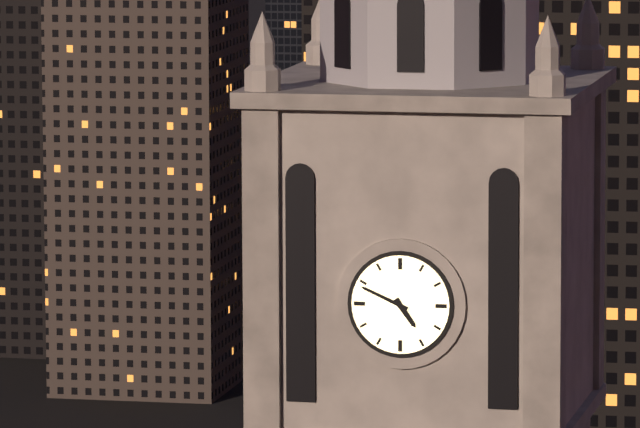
4:49
